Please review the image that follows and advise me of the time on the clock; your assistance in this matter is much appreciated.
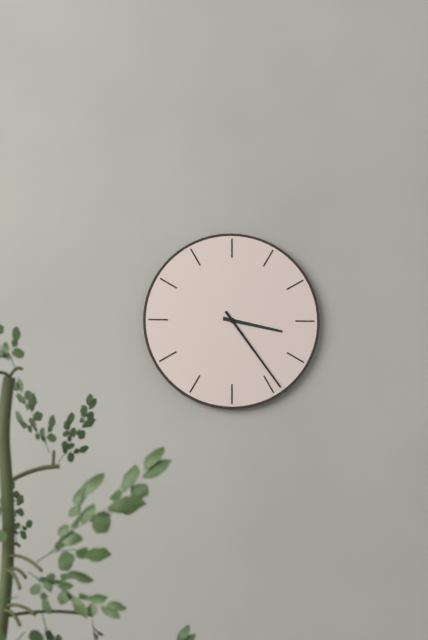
3:24
